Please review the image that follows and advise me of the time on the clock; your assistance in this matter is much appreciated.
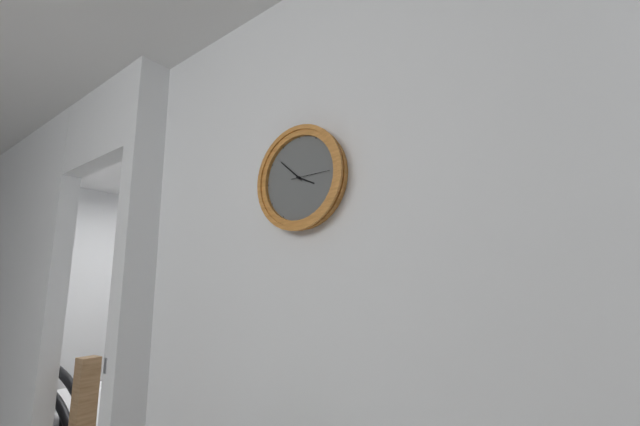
3:52
